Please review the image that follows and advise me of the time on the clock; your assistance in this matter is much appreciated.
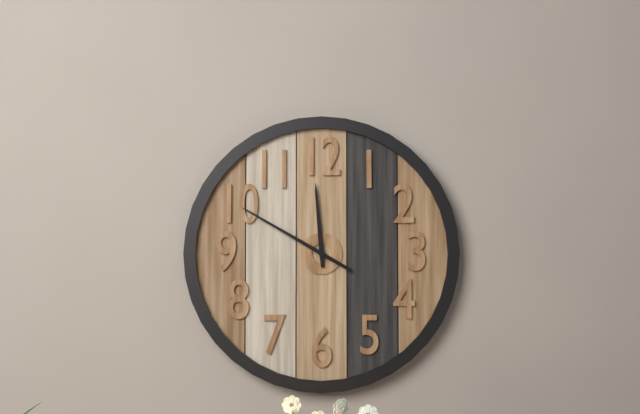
11:50
